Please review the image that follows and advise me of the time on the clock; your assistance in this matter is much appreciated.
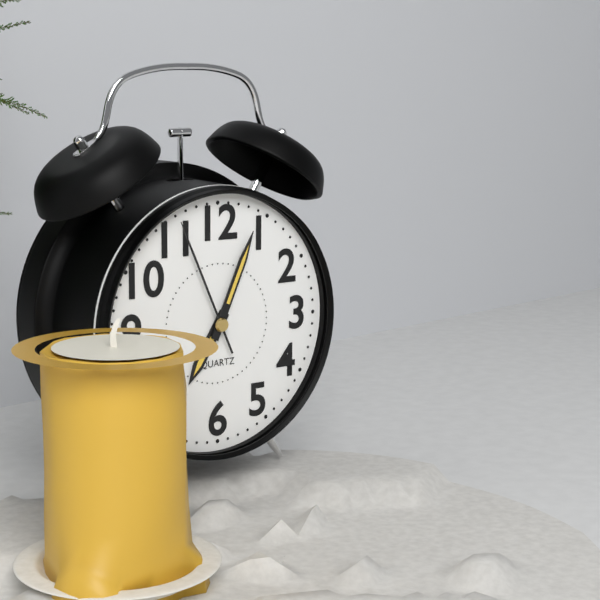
7:04:56
